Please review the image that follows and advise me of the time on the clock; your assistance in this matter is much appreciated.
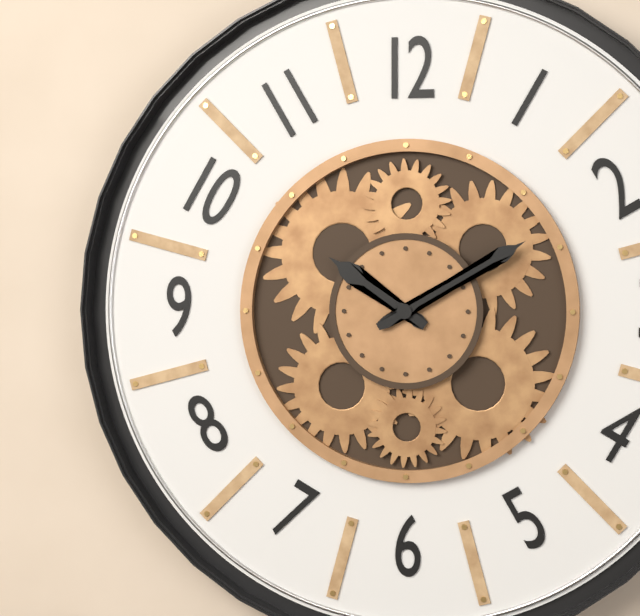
10:10
